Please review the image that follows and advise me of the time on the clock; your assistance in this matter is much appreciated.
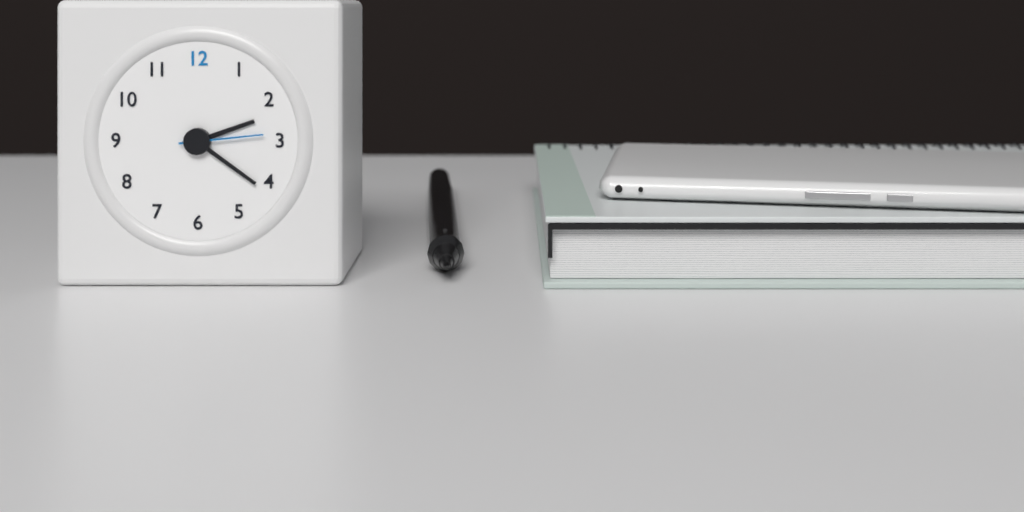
2:21:14
